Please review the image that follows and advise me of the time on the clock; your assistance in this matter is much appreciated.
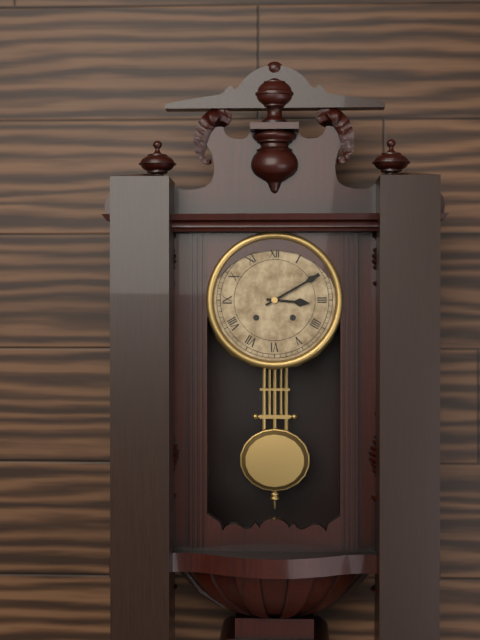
3:10
